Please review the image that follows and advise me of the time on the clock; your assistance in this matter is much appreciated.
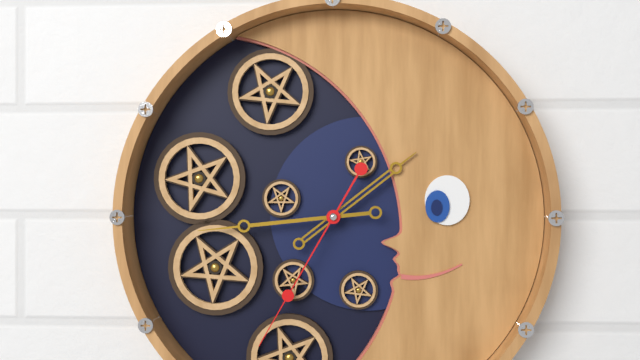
1:44:35
